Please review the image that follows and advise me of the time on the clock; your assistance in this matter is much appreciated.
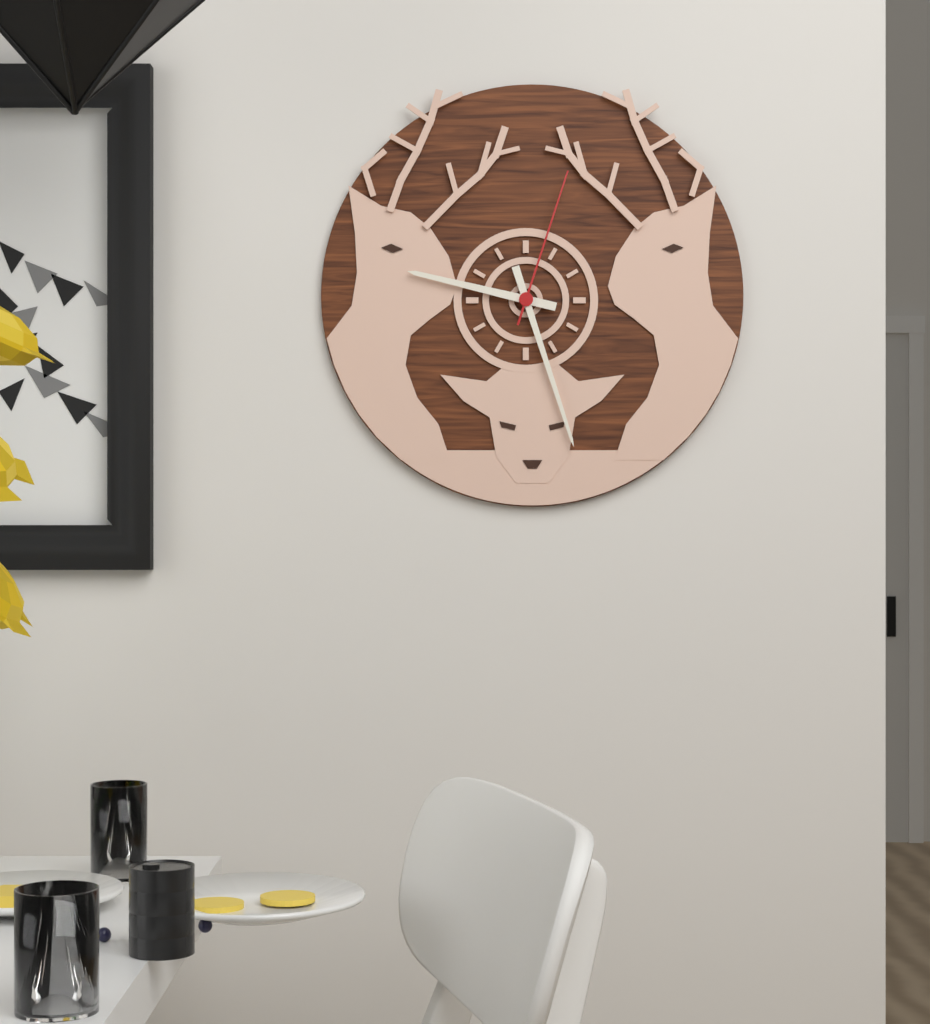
9:27:03
